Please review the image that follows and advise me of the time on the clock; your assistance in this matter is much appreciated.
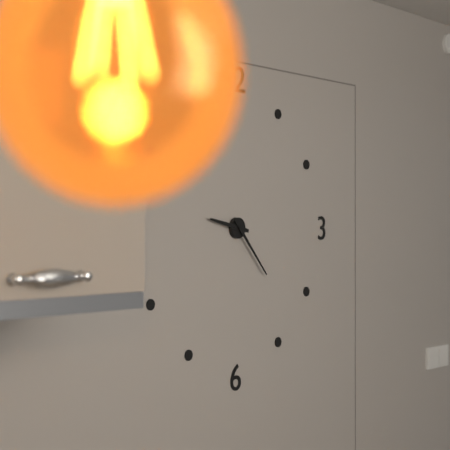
9:23
